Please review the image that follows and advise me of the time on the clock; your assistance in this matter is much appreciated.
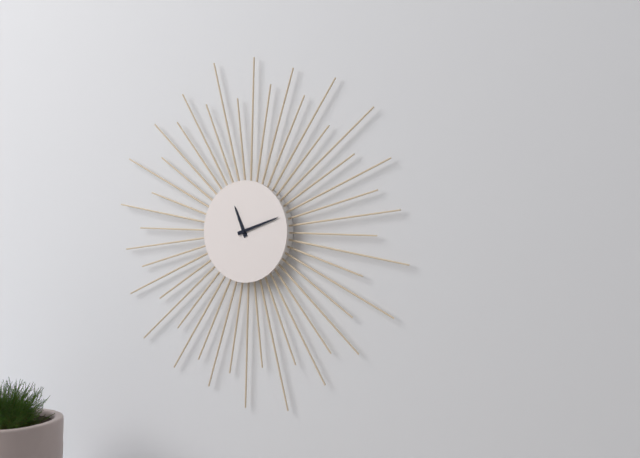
11:12
